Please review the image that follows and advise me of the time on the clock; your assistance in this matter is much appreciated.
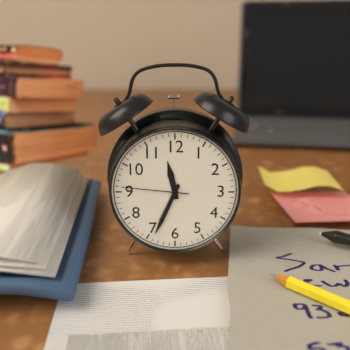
11:34:46
